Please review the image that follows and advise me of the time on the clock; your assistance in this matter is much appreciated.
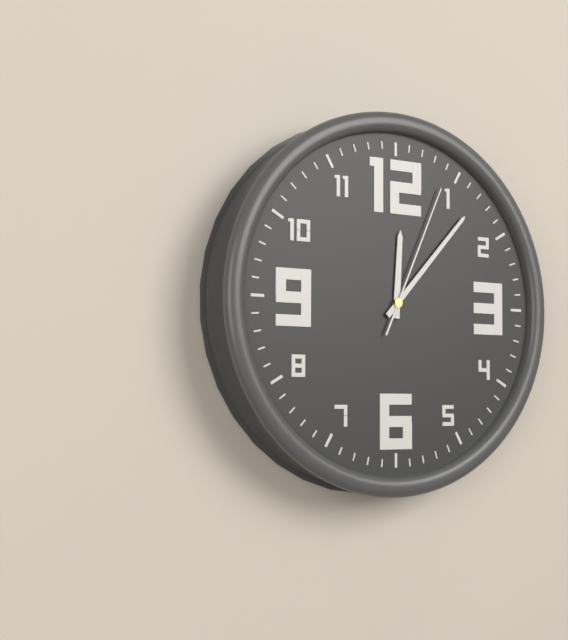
12:07:04
